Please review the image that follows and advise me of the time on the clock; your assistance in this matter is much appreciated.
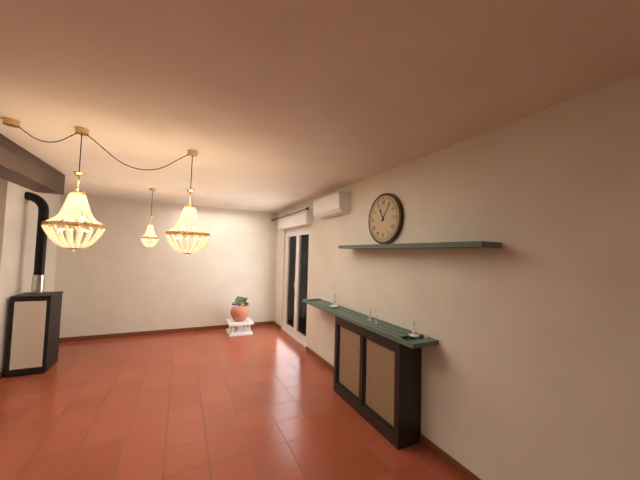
11:06
